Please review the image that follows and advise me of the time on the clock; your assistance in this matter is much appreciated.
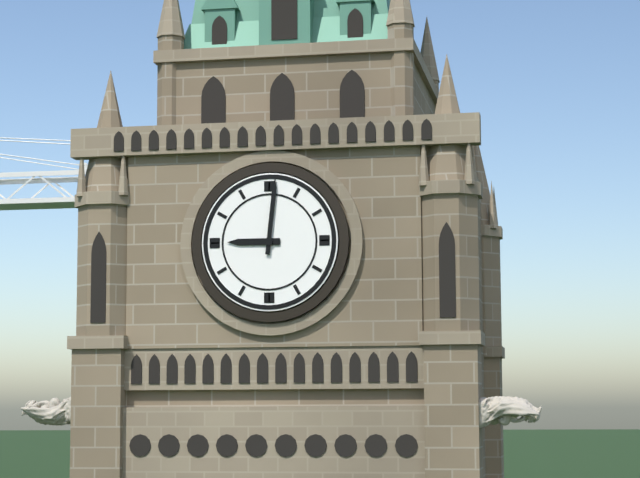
9:01
